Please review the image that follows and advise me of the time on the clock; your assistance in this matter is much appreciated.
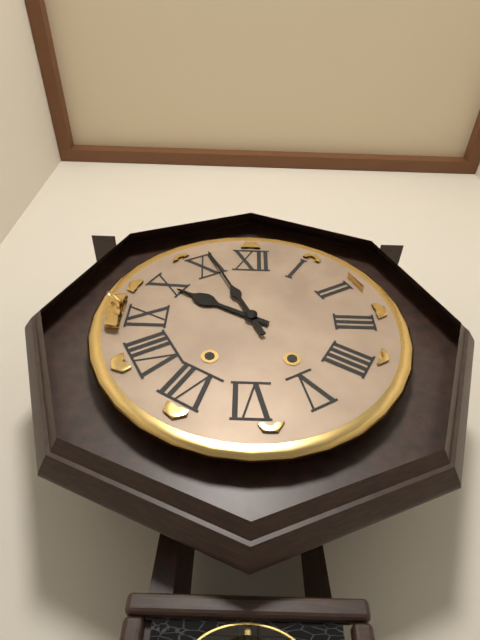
9:56
